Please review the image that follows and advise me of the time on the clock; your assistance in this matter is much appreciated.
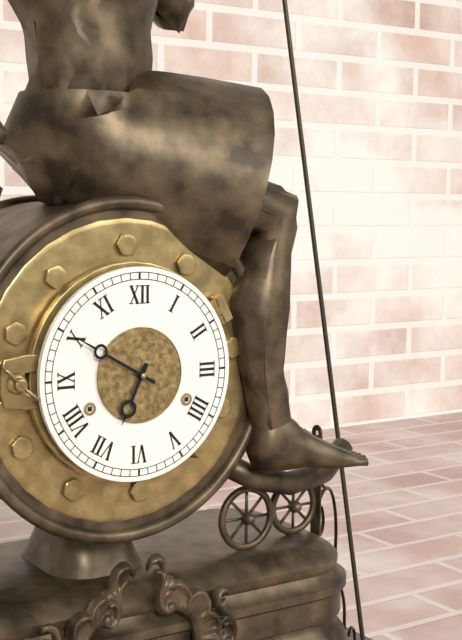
6:50
